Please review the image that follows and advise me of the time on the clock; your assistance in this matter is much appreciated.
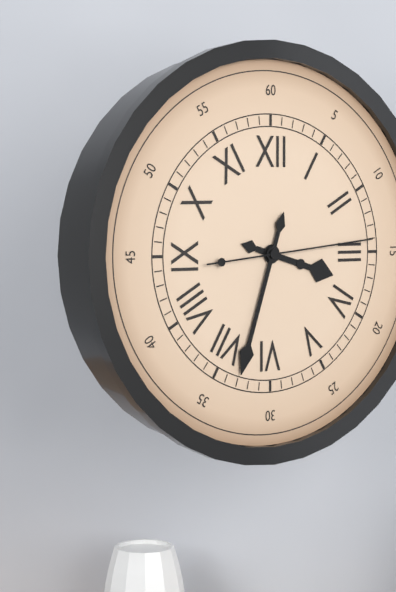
3:33:14
